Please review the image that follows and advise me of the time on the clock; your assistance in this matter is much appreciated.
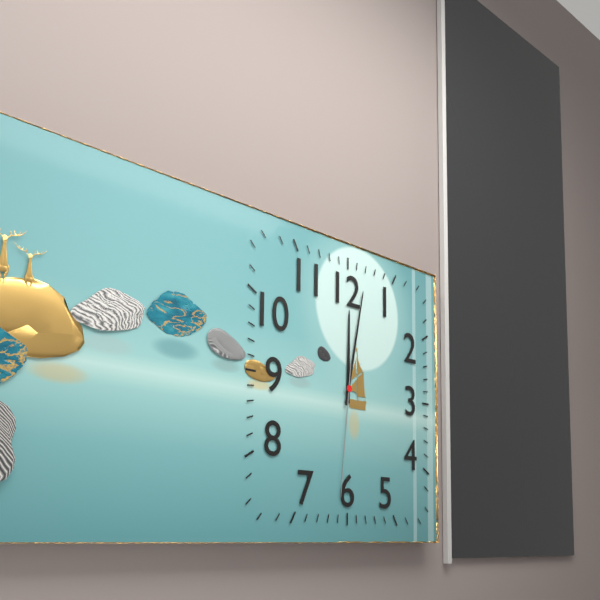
12:02:31
